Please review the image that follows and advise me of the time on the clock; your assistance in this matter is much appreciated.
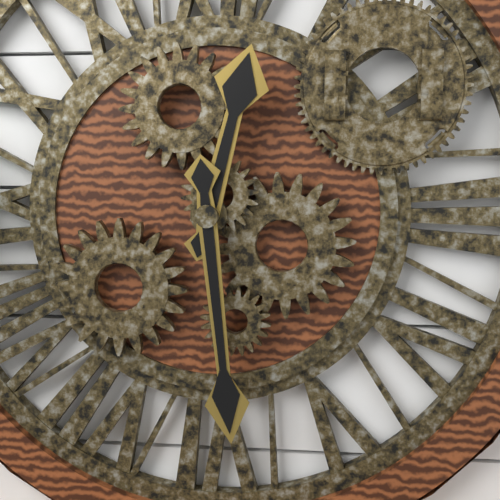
12:29
